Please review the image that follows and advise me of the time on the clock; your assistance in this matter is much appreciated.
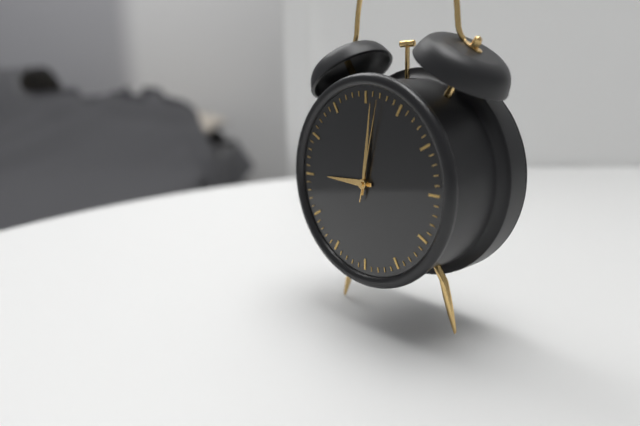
9:01:02
